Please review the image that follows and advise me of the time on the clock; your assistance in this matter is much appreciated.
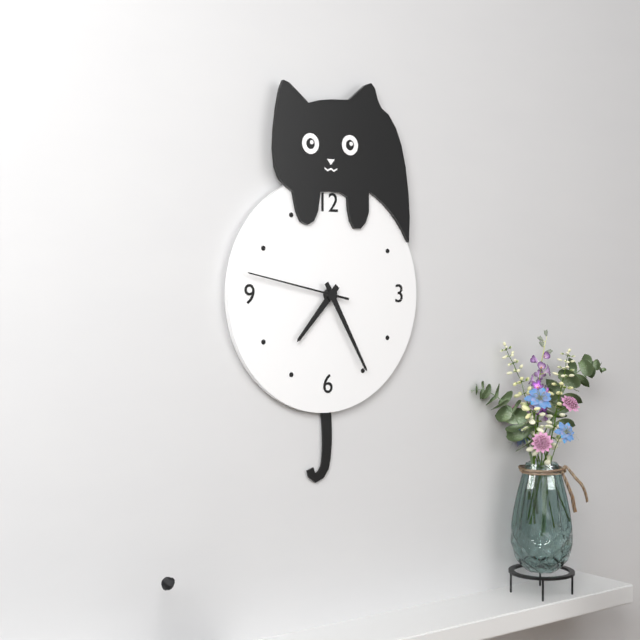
7:25:47
